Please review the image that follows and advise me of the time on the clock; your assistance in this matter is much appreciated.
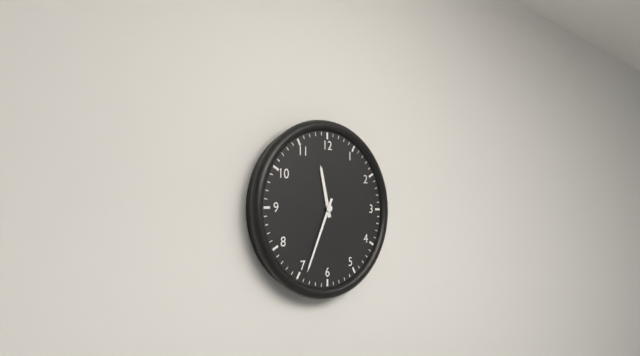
11:34
